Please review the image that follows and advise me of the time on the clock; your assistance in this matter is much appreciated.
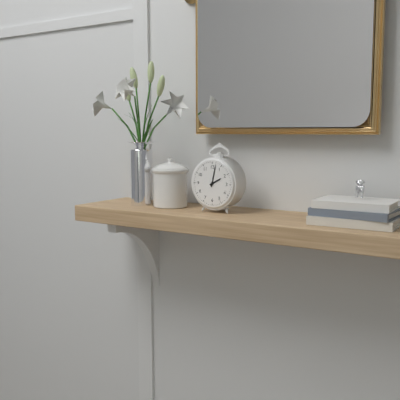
2:02
